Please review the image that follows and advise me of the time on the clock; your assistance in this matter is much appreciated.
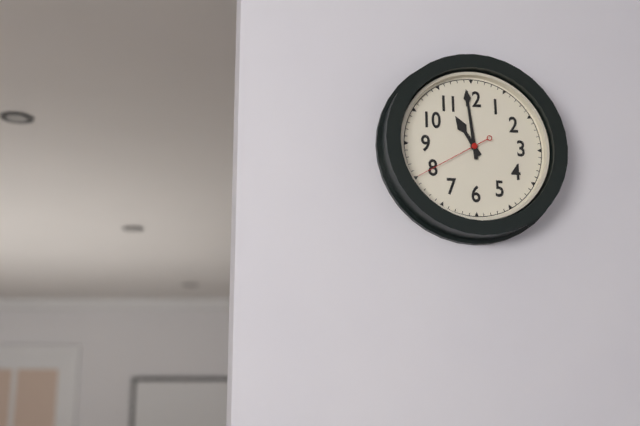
10:59:40
